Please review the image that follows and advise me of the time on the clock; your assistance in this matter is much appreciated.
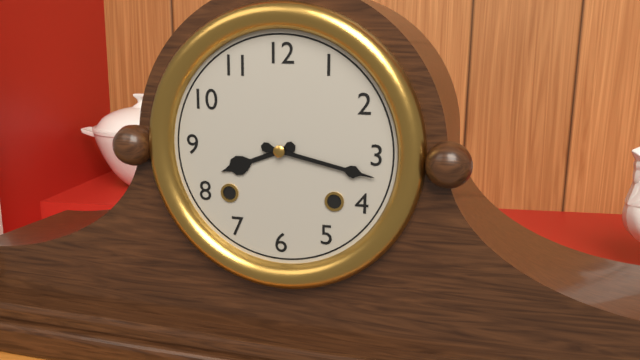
8:17
